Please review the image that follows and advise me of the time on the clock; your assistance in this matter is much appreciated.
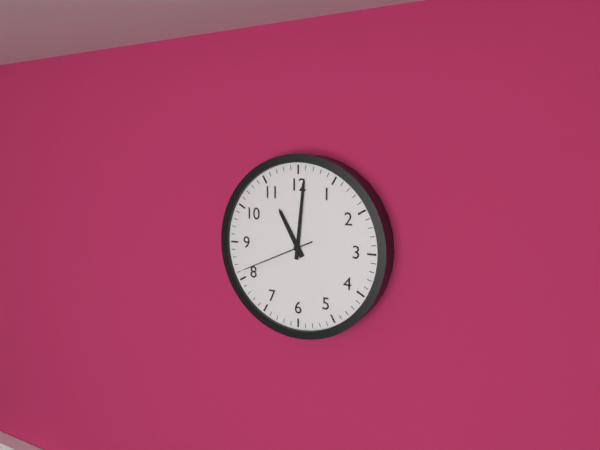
11:01:41
